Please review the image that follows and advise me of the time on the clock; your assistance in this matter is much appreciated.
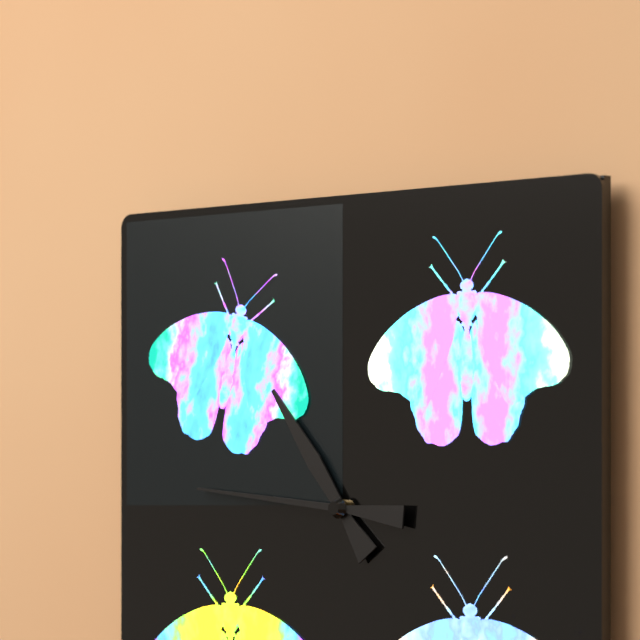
10:46
